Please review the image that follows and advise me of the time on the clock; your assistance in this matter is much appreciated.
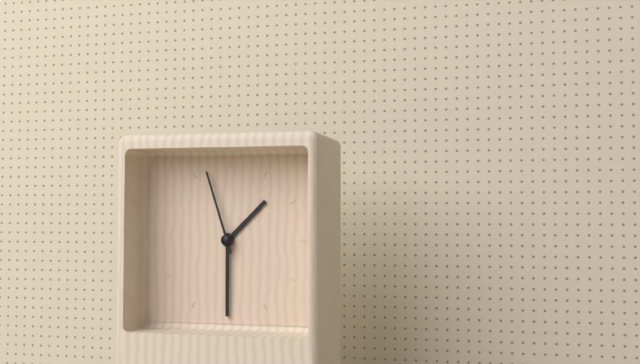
1:30:57
